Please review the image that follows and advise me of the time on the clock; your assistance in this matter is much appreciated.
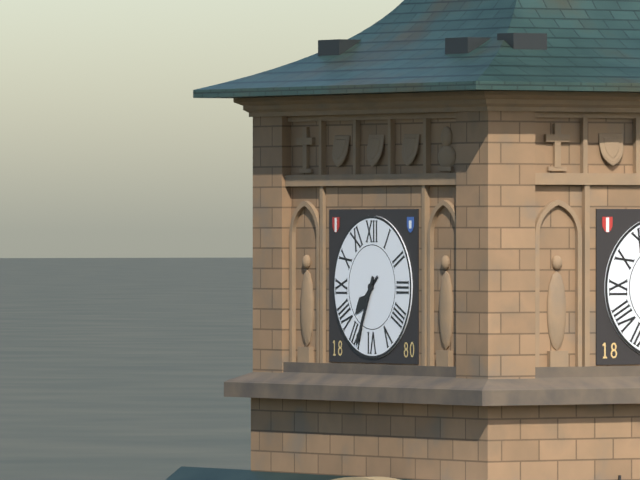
7:34
